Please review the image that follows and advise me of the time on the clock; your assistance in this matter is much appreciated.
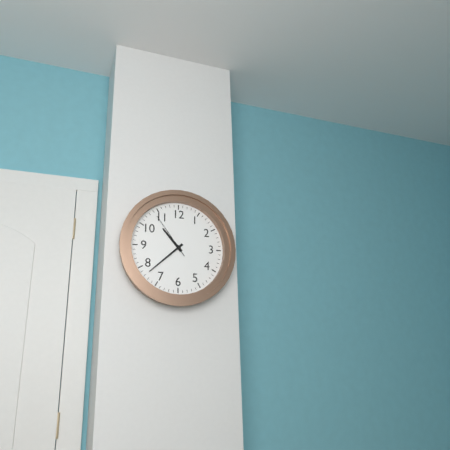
10:38
